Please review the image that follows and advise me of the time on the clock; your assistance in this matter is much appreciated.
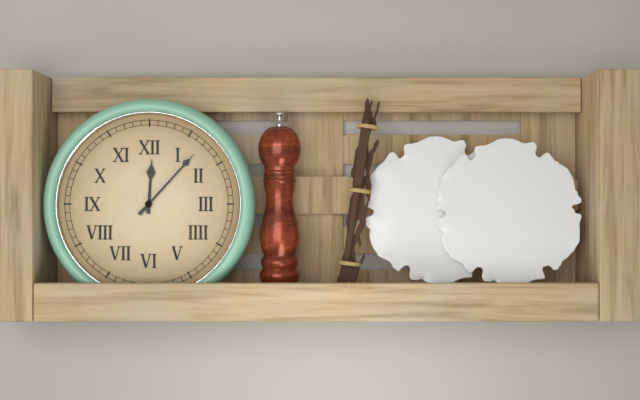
12:07
